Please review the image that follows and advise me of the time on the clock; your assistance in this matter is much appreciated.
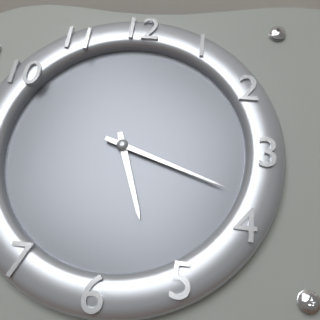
5:18
